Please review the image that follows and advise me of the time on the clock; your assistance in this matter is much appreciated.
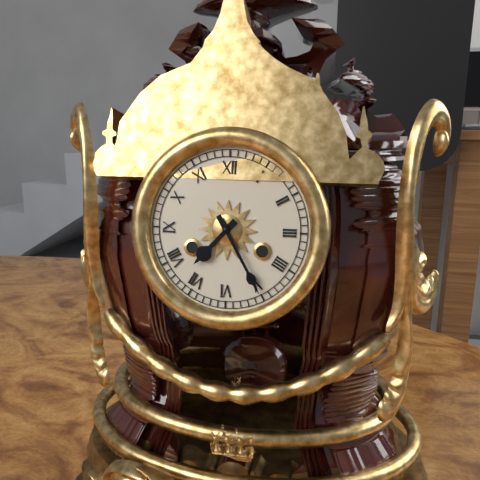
7:25
